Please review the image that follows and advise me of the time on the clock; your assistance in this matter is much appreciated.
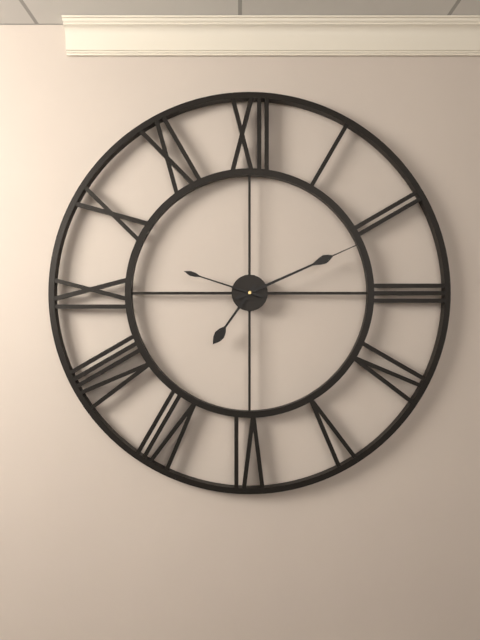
7:11:48
